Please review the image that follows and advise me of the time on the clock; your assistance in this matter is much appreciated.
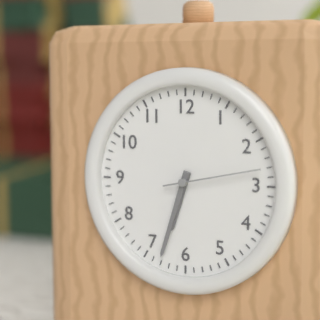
6:33:13
